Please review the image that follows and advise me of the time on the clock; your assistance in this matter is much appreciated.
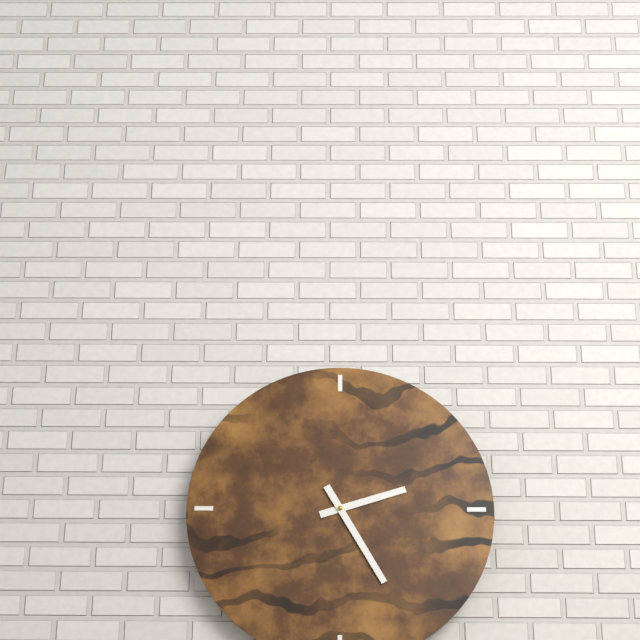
2:25
